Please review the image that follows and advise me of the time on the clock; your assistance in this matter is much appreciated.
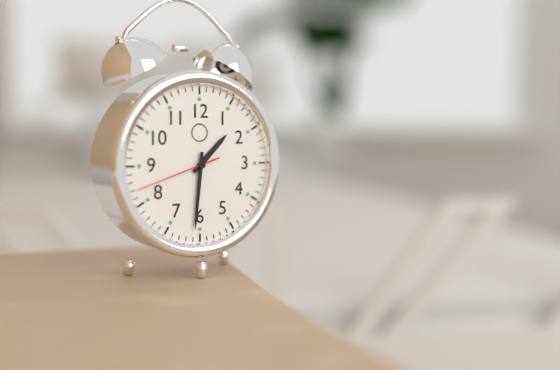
1:31:42
